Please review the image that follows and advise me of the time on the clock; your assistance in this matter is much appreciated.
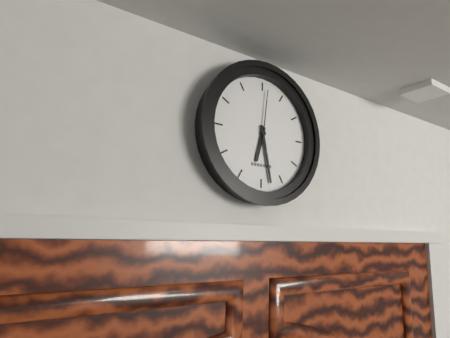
6:28:01
